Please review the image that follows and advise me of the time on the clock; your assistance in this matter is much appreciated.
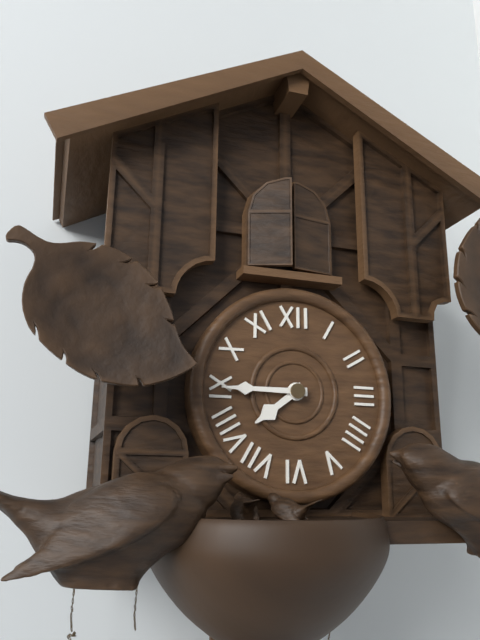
7:45
